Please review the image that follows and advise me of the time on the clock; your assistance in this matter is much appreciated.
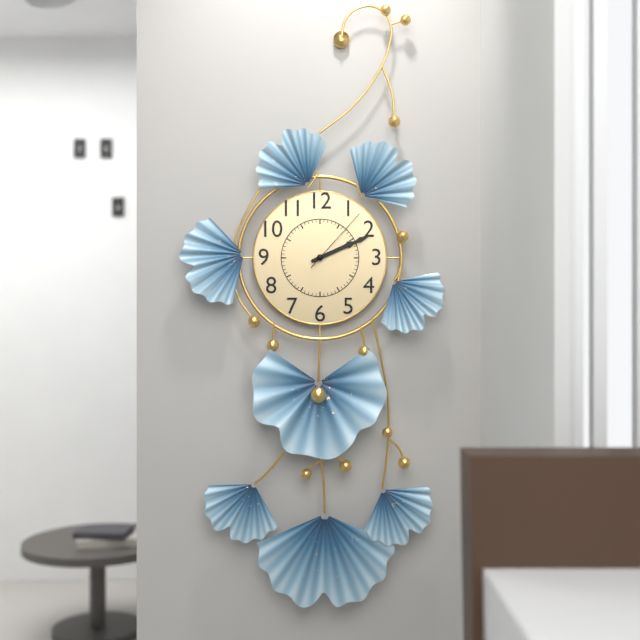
2:11:07
